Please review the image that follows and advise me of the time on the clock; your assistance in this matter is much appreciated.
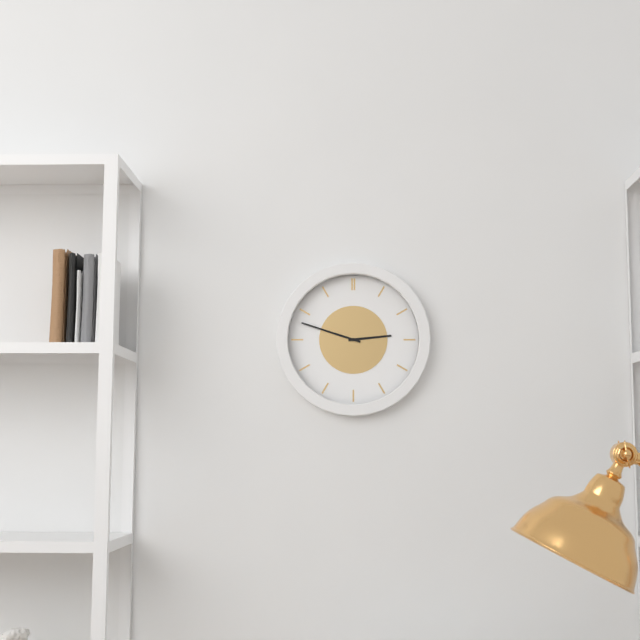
2:48
